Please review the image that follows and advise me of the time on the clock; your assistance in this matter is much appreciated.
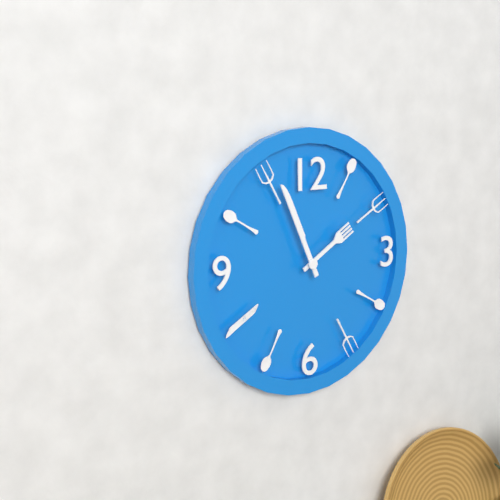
1:56
